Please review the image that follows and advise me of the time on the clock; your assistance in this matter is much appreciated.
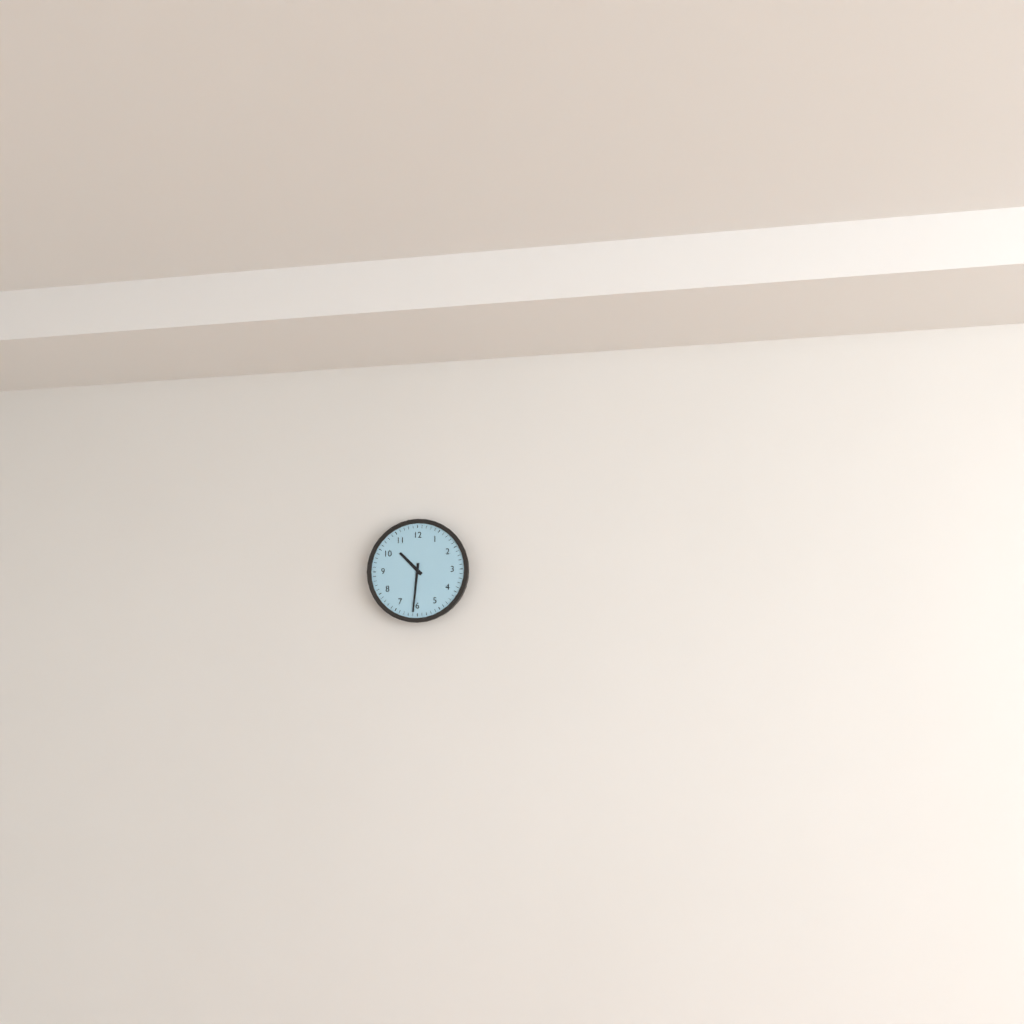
10:31
